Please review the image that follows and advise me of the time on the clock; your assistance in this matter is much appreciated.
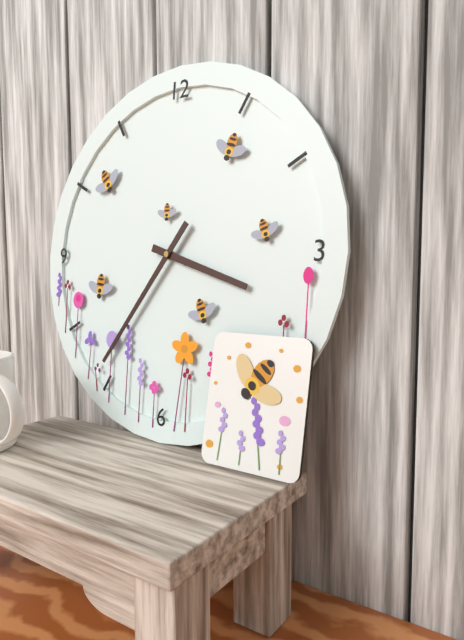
3:36
